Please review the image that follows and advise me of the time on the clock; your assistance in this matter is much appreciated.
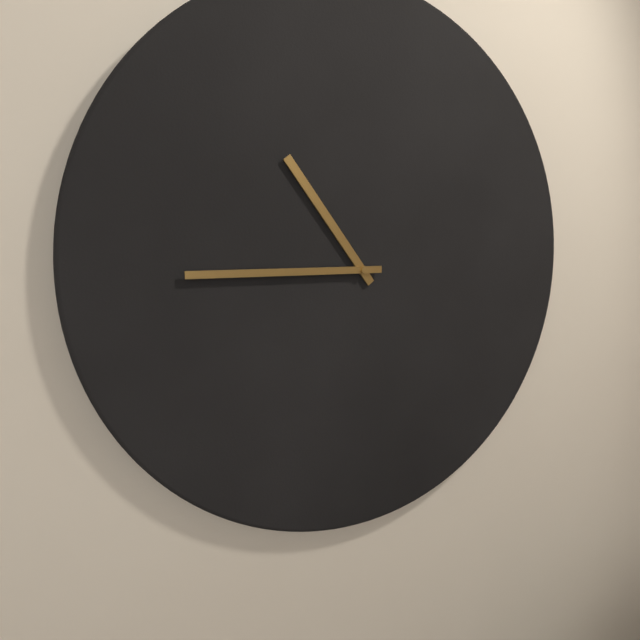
10:45
